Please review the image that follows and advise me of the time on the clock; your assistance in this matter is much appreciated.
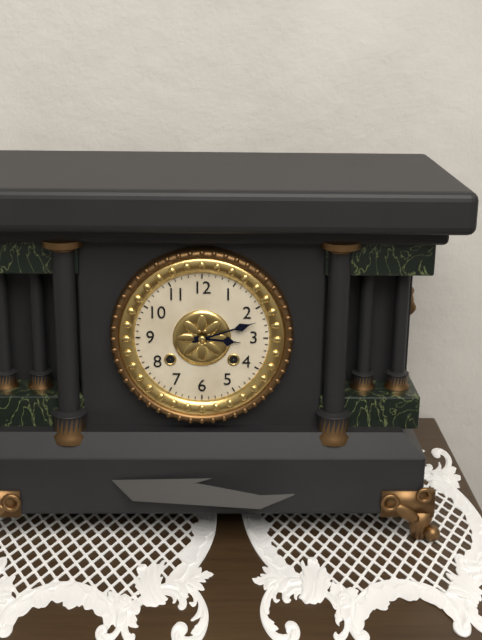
3:12
